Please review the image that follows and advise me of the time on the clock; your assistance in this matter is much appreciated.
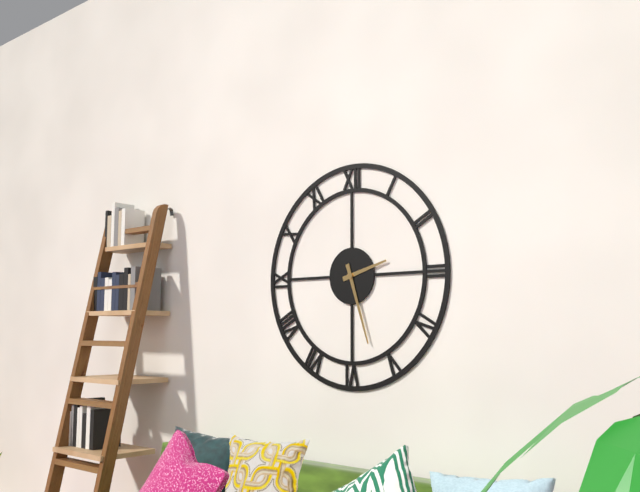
2:27
